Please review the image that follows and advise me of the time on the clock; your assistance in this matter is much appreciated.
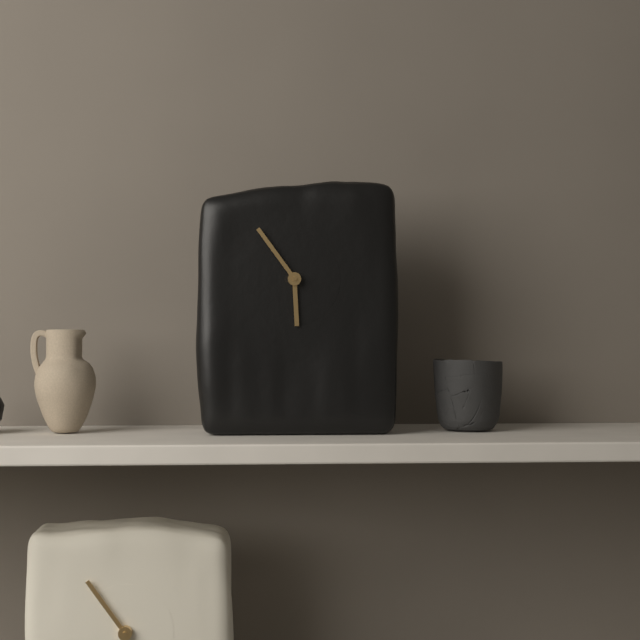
5:54
